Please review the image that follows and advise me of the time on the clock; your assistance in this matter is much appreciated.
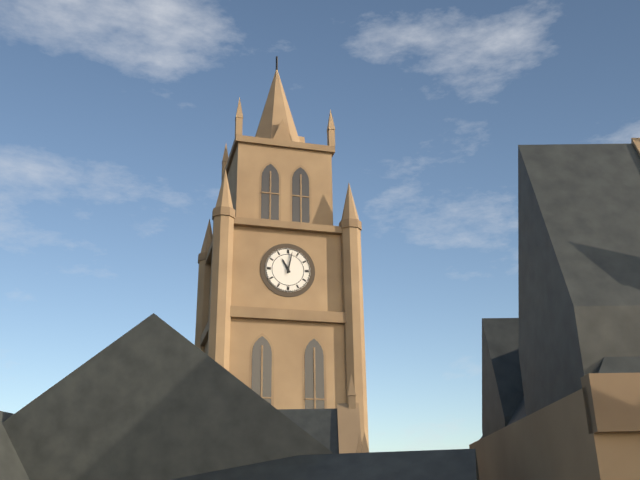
11:02
